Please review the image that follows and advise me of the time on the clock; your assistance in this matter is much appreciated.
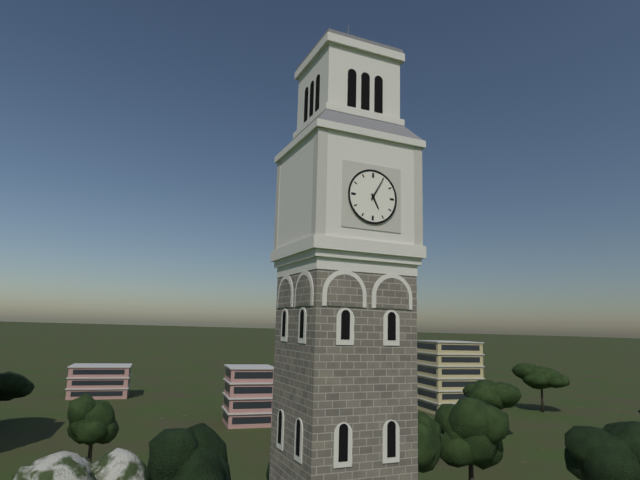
5:05
